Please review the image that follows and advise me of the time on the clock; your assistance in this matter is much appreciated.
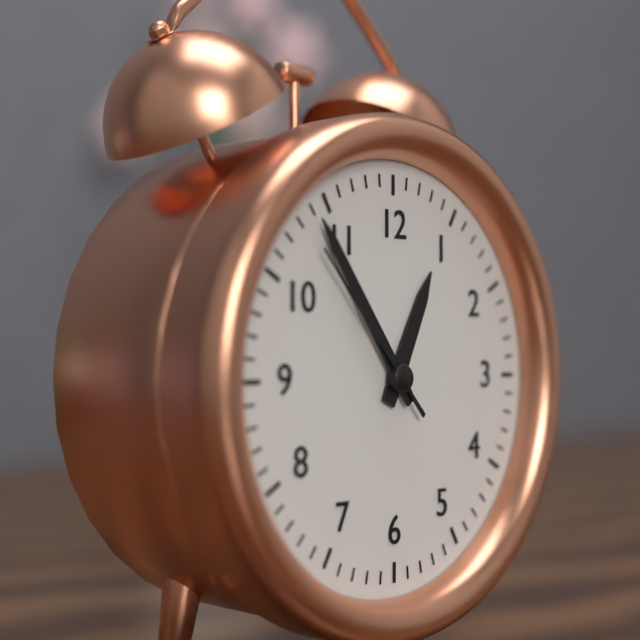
12:54:53
